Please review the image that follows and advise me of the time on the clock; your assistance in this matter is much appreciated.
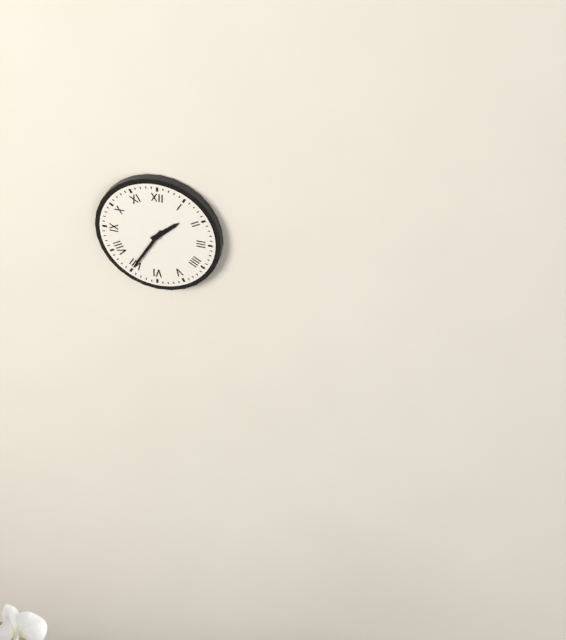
1:35
